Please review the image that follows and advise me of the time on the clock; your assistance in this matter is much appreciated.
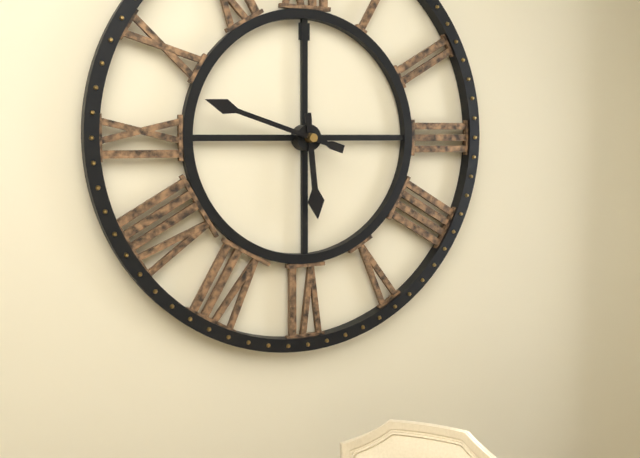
5:48
